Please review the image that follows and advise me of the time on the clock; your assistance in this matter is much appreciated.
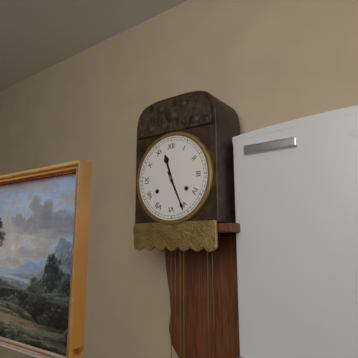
11:26
